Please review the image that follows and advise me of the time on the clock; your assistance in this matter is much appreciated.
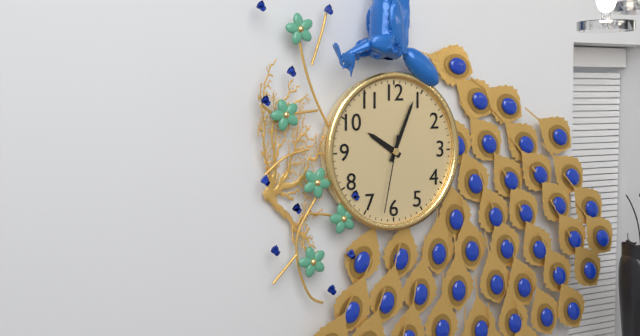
10:04:32
